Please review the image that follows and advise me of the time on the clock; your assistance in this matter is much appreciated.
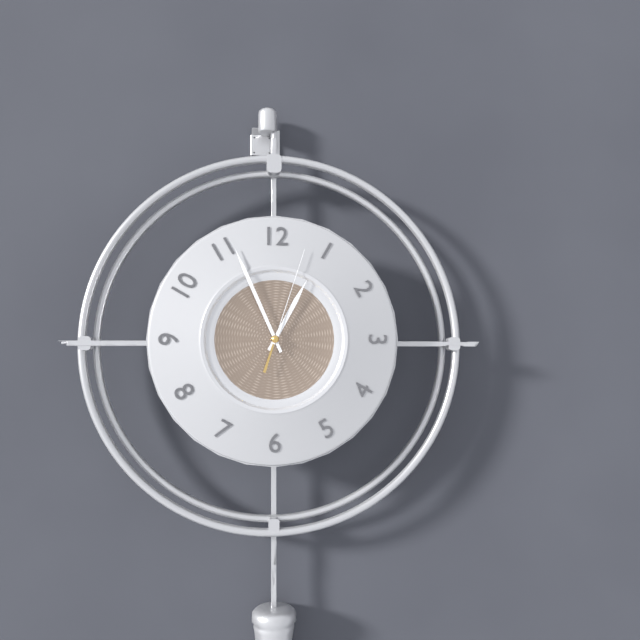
12:56:03
